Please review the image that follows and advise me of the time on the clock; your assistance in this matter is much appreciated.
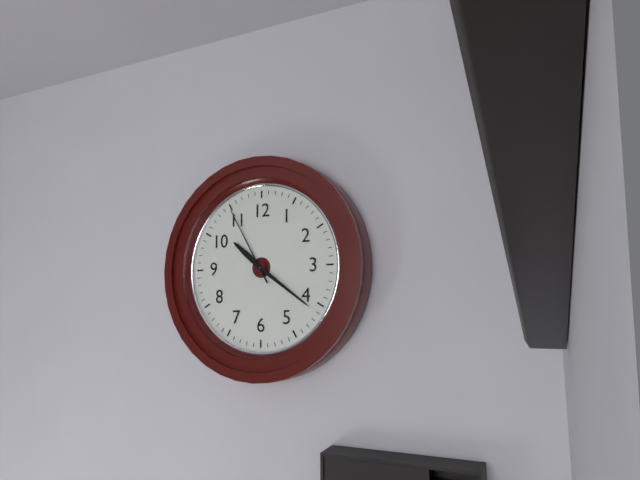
10:21:55
